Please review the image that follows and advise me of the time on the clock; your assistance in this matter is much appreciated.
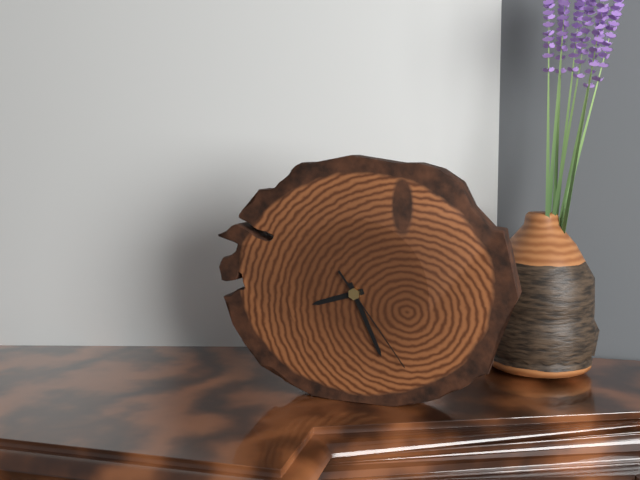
8:26:24
